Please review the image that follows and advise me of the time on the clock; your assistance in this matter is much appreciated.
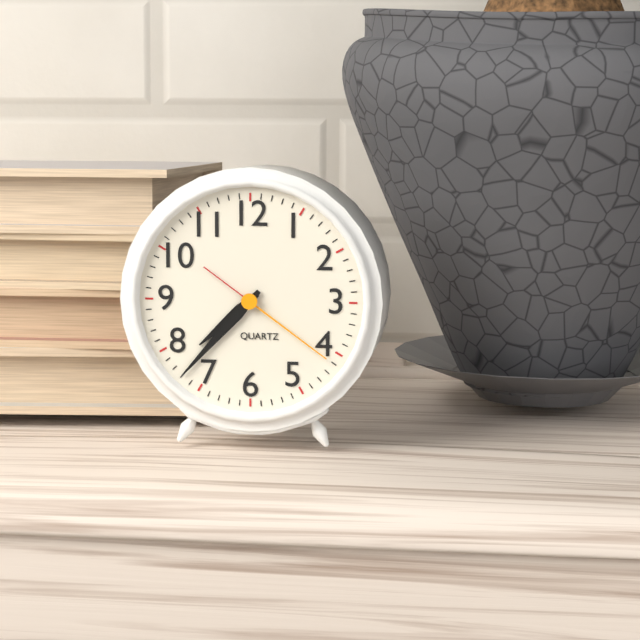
7:37:21
